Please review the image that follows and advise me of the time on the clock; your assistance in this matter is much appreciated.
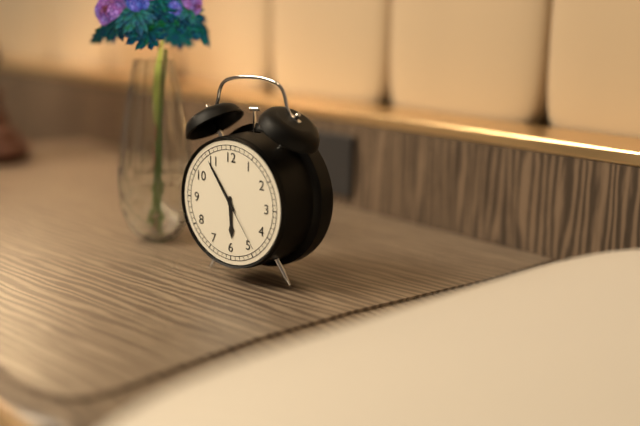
5:54:24
